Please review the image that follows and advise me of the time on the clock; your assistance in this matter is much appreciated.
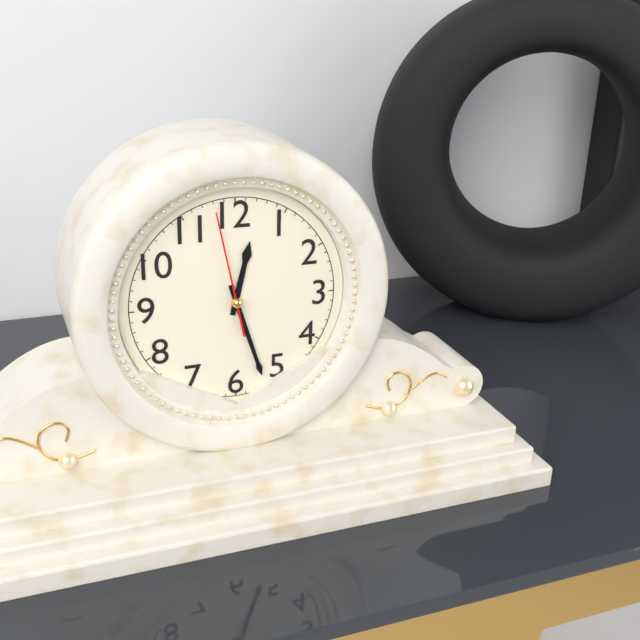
12:27:58
